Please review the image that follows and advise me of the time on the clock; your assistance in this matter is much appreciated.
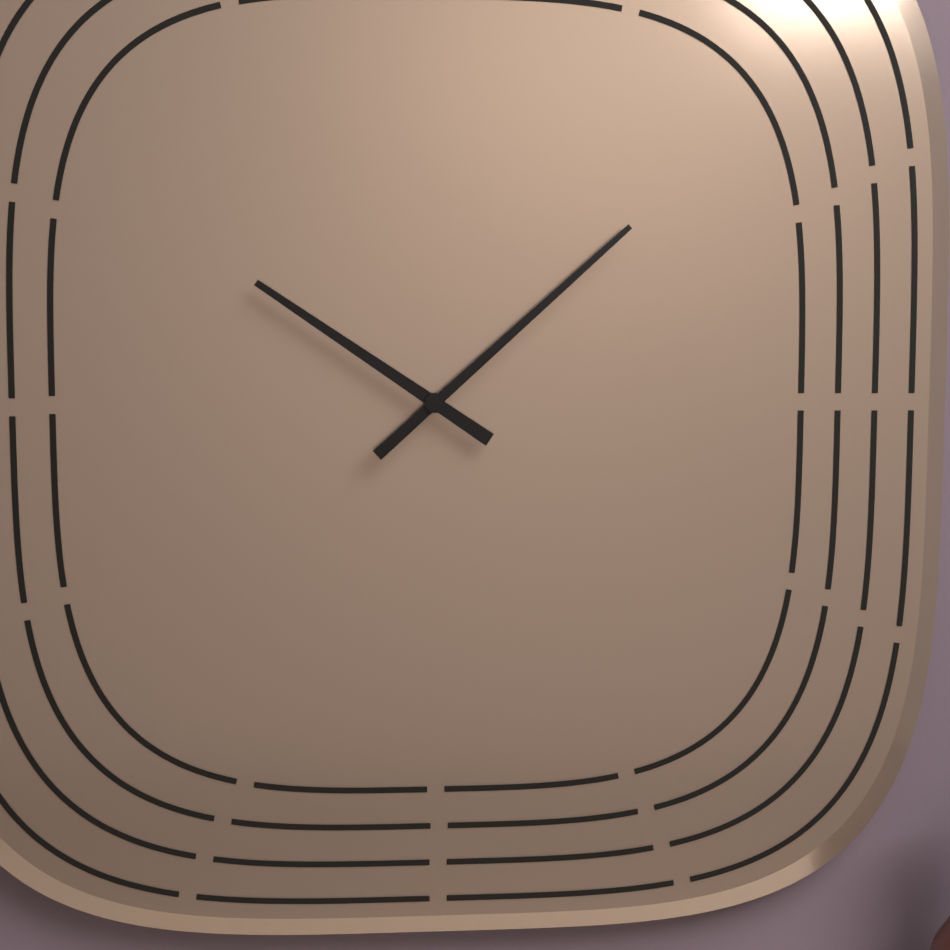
10:08
